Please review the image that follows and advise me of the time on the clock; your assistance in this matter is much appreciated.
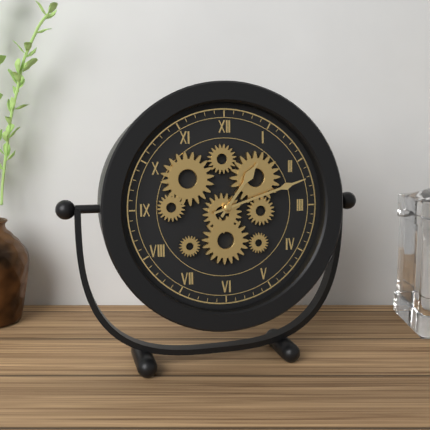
1:12
